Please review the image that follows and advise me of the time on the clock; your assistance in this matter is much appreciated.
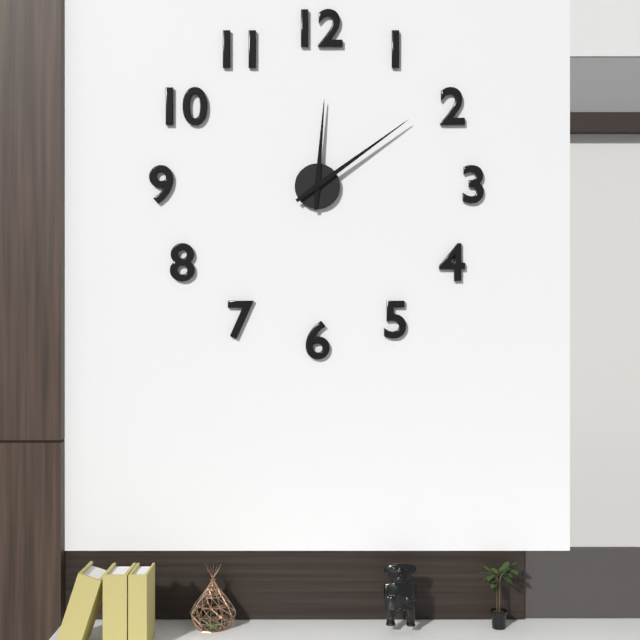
12:09
